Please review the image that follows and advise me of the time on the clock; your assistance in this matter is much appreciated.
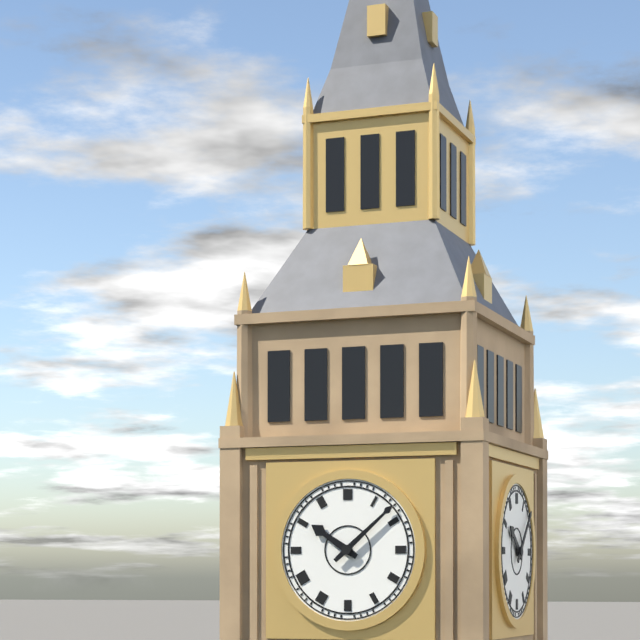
10:08
